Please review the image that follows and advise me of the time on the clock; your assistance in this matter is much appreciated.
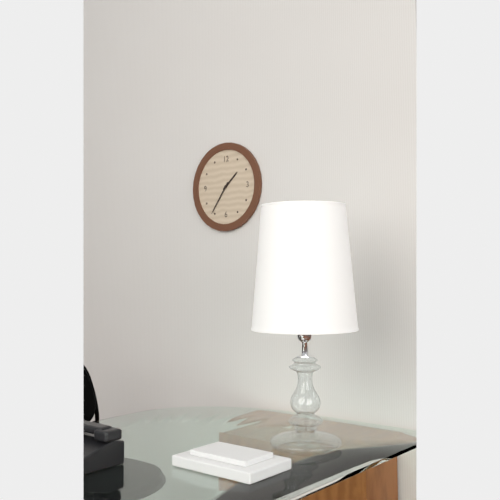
1:36
